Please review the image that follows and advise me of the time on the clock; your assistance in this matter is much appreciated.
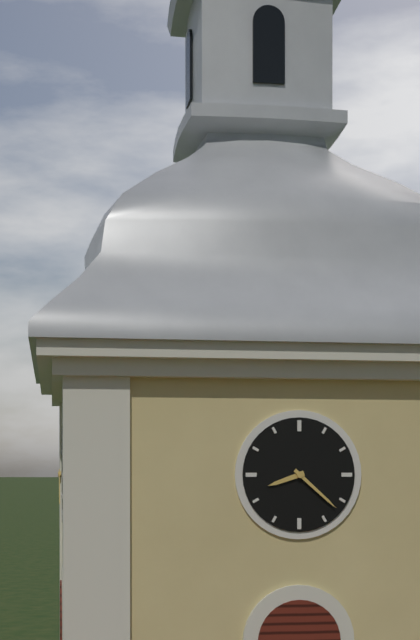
8:22
